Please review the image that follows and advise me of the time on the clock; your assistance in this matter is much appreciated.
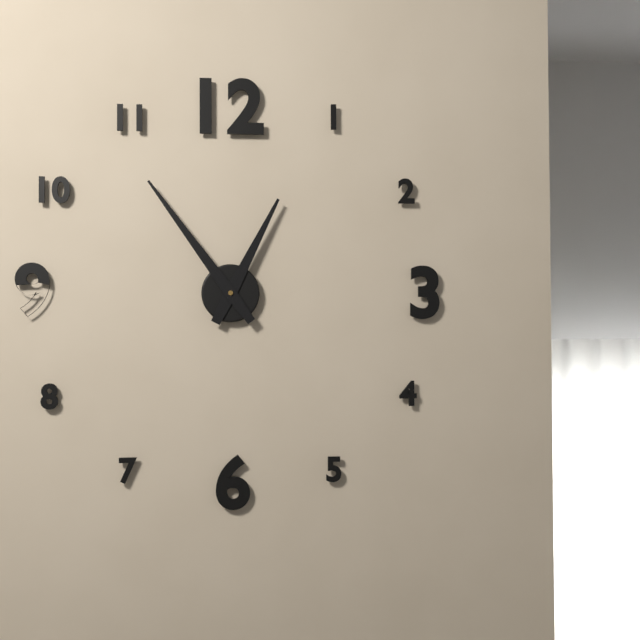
12:54
